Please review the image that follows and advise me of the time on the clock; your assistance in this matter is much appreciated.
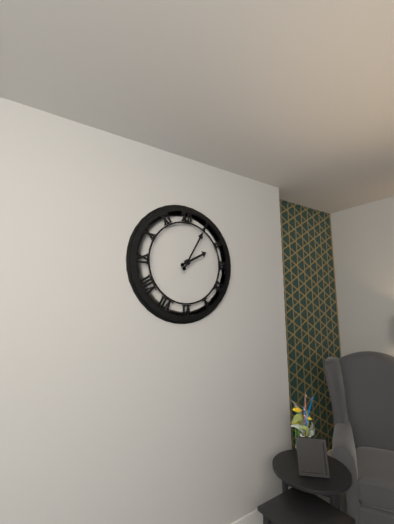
2:05
